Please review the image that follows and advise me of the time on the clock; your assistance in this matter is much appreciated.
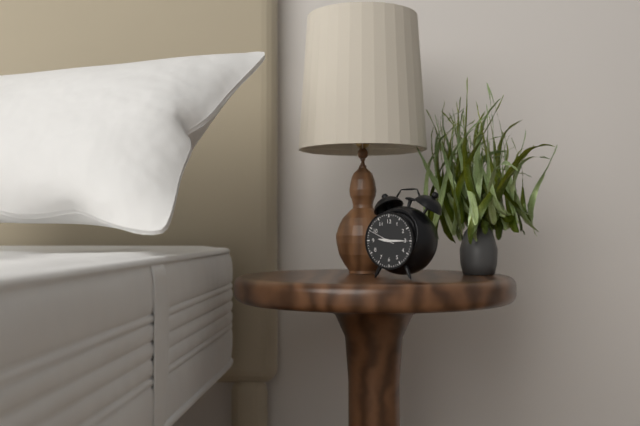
9:15
